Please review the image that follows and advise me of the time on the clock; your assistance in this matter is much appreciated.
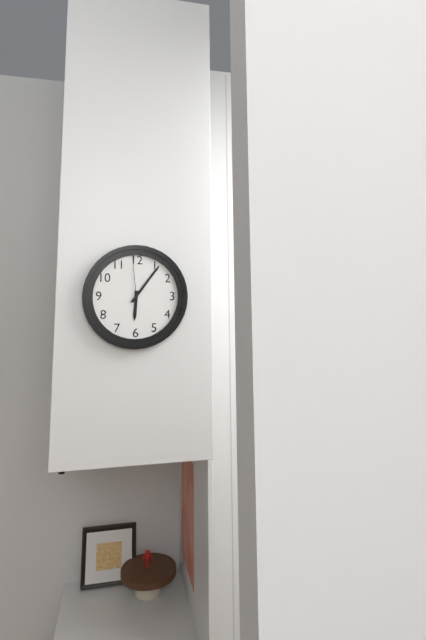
6:06:59
